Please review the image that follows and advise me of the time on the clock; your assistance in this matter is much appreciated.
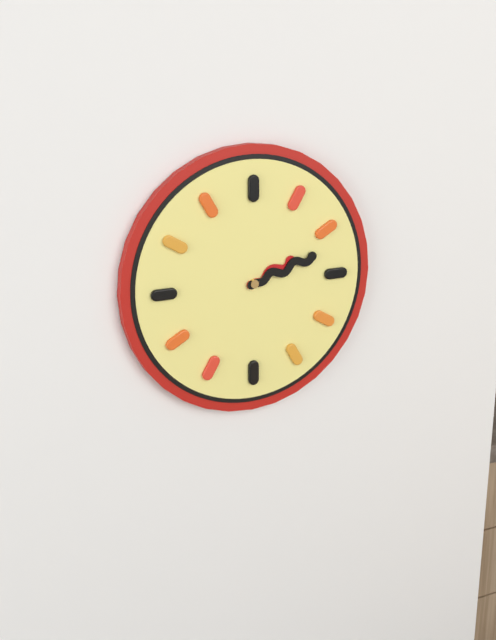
2:12
